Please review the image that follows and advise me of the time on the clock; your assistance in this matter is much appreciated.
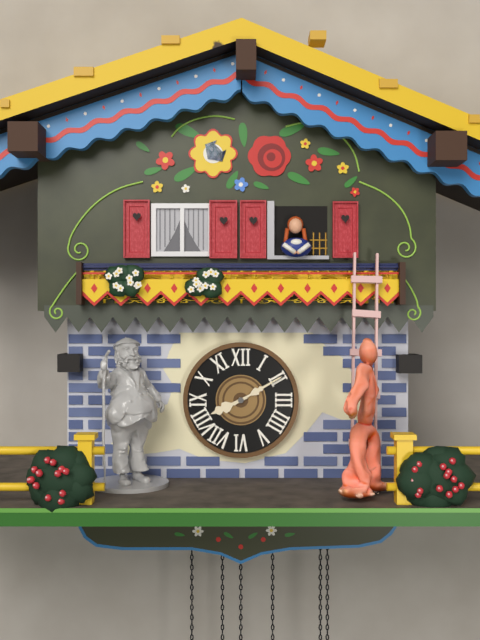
8:10
